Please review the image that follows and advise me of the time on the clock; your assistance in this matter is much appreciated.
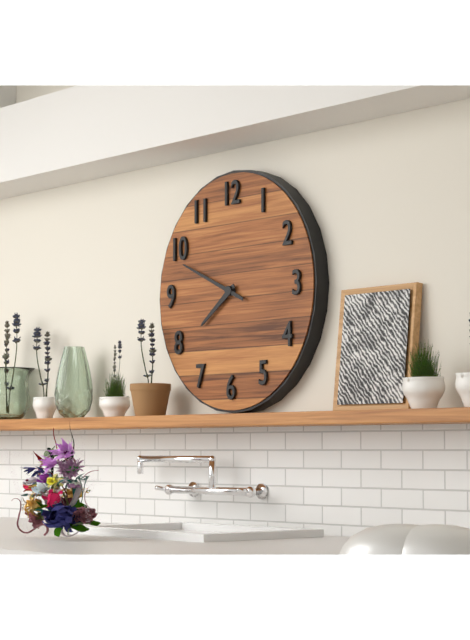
7:49
